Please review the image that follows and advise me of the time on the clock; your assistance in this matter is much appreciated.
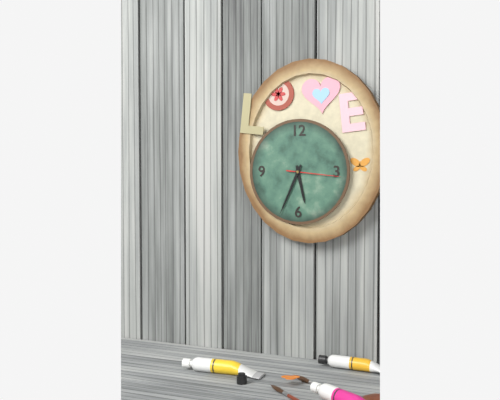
5:34:16
